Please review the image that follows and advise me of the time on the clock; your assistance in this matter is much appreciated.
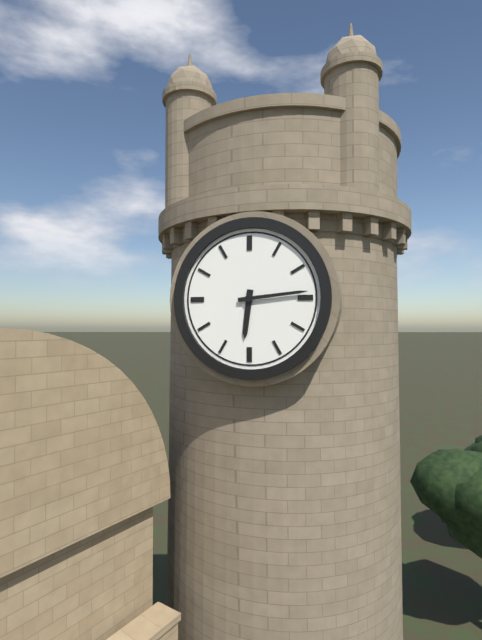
6:14
